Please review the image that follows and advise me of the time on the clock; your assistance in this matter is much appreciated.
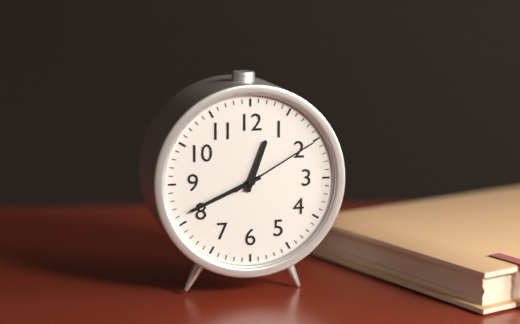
12:41:10
